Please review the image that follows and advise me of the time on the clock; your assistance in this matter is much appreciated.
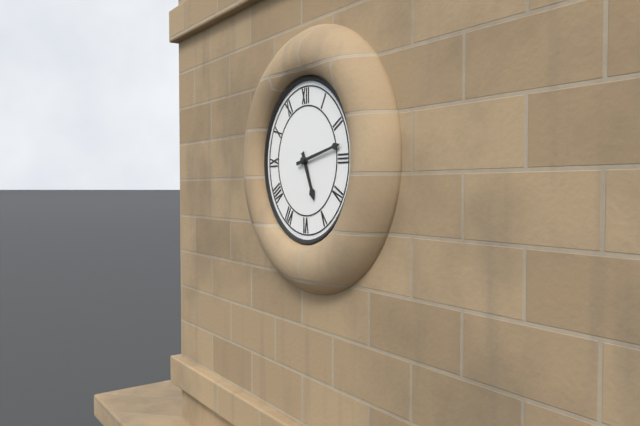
5:13
